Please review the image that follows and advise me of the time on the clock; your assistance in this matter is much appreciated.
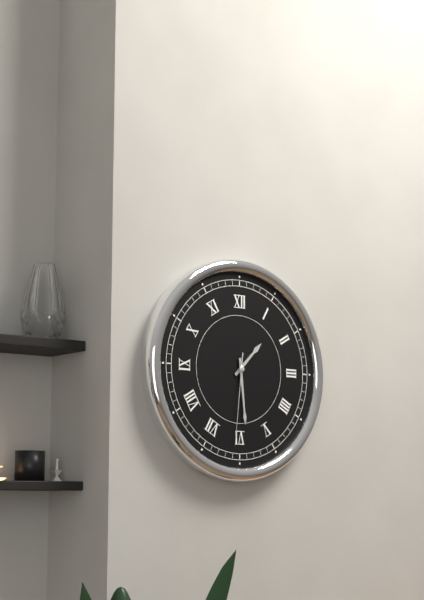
1:29:31
